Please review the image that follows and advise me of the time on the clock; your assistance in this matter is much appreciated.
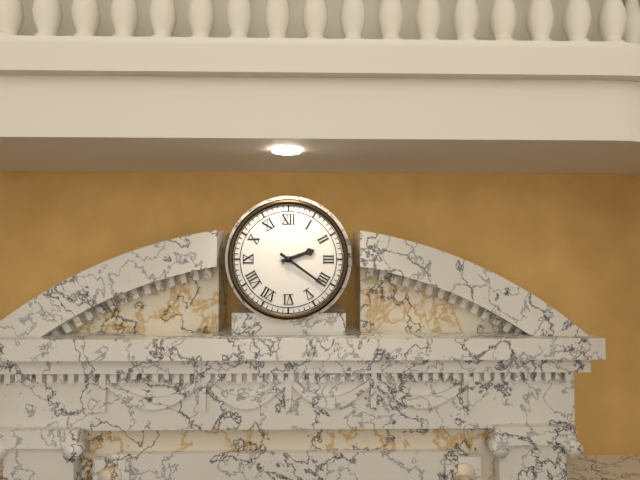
2:21
